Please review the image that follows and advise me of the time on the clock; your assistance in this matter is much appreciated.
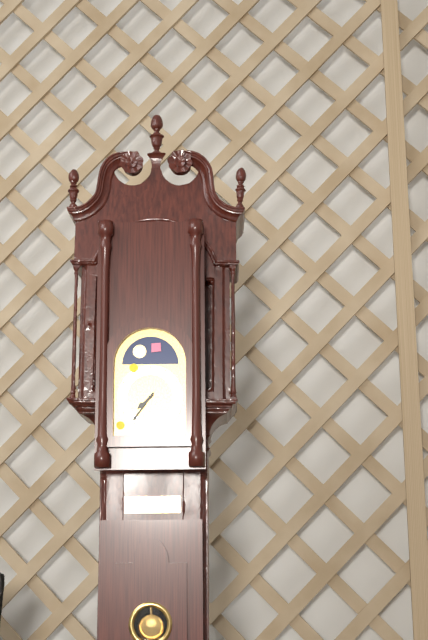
7:36
